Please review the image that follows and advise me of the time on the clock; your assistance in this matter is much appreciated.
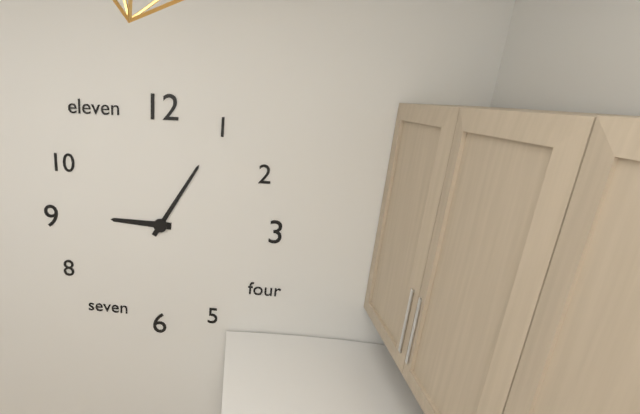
9:05
